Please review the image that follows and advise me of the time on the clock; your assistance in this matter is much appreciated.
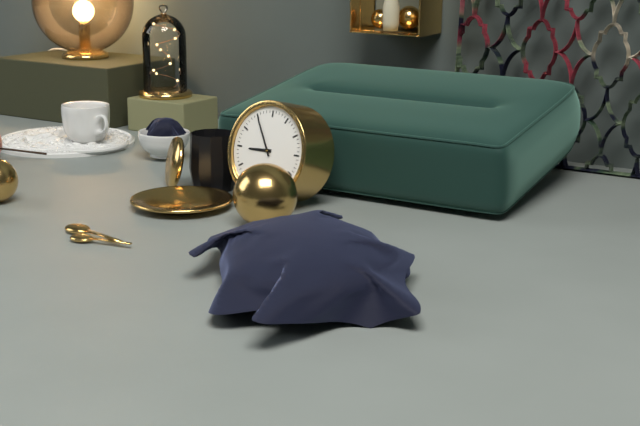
8:55
